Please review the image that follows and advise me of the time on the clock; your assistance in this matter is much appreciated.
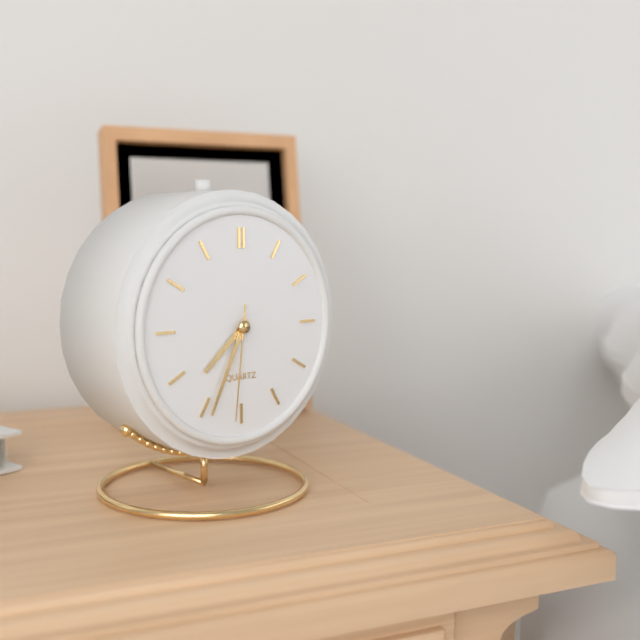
7:34:31
